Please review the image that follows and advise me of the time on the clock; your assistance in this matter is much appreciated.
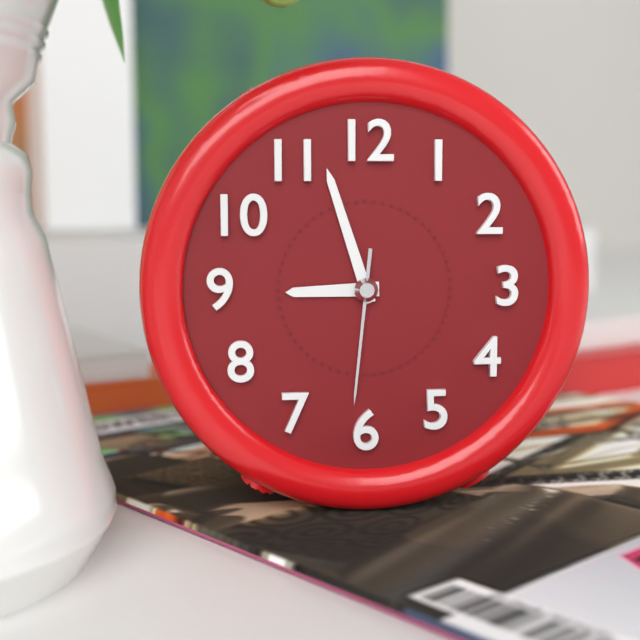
8:57:31
